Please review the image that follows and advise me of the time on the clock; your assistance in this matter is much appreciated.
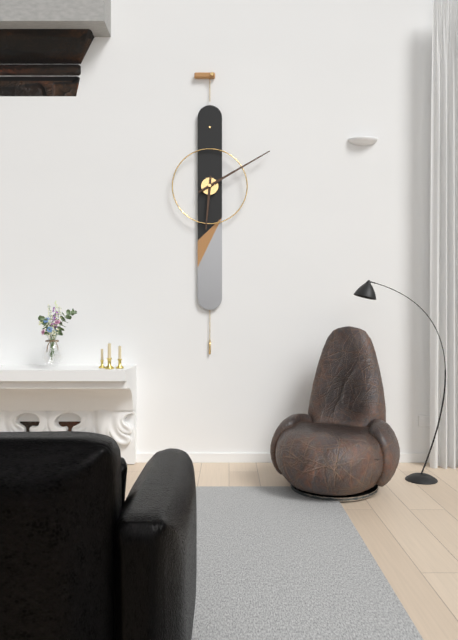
6:10
